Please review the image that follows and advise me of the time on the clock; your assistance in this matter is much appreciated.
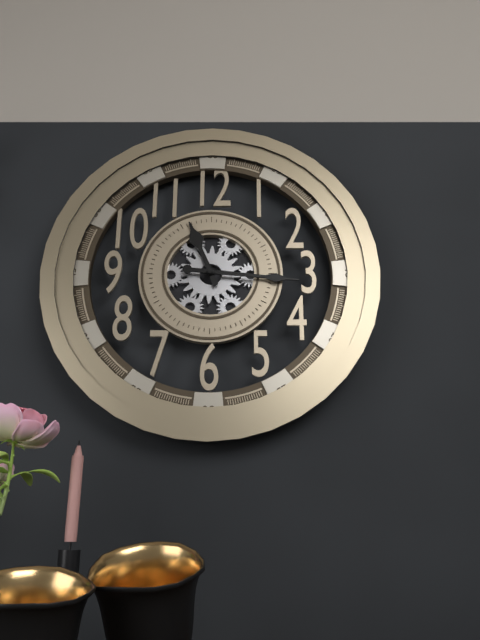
11:16
